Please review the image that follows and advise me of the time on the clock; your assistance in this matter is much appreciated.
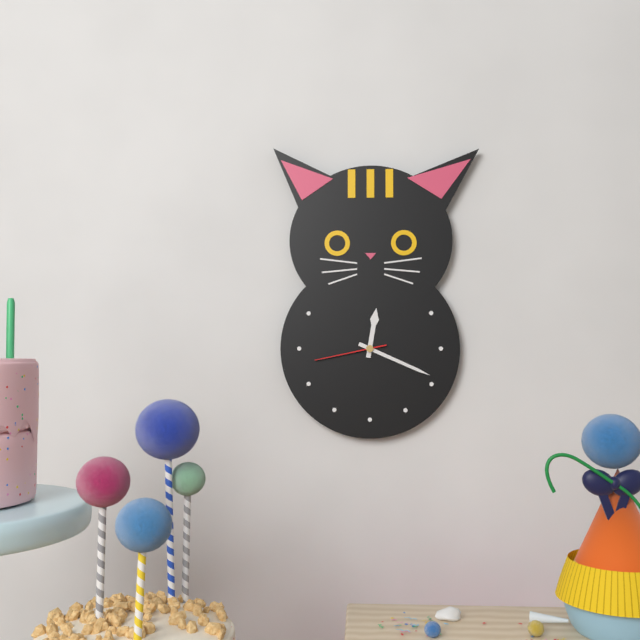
12:19:43
